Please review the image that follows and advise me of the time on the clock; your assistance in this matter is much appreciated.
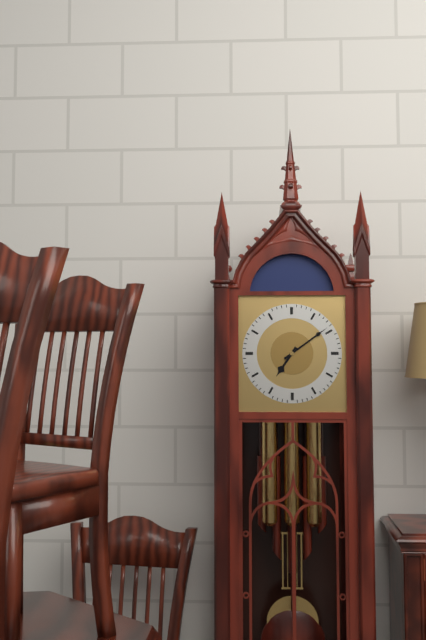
7:09
